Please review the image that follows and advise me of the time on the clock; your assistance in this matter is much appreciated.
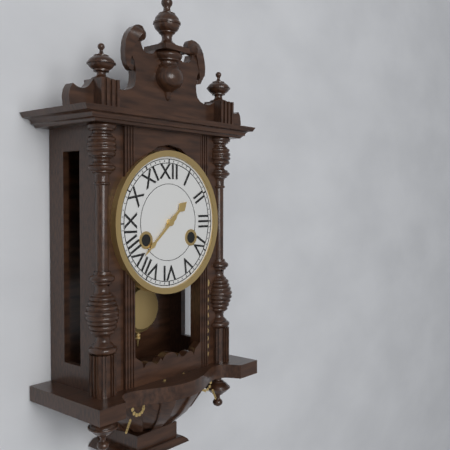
1:38
